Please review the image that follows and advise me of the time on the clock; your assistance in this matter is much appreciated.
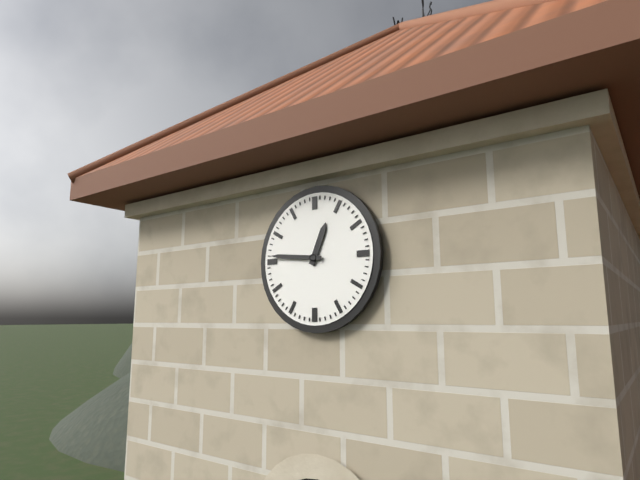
12:46
